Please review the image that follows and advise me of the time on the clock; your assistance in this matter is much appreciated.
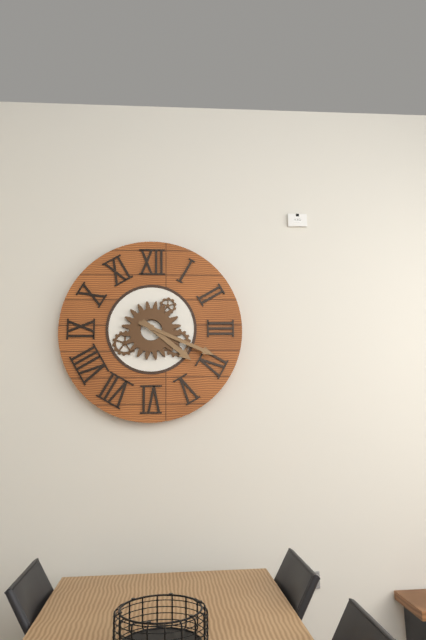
4:19
